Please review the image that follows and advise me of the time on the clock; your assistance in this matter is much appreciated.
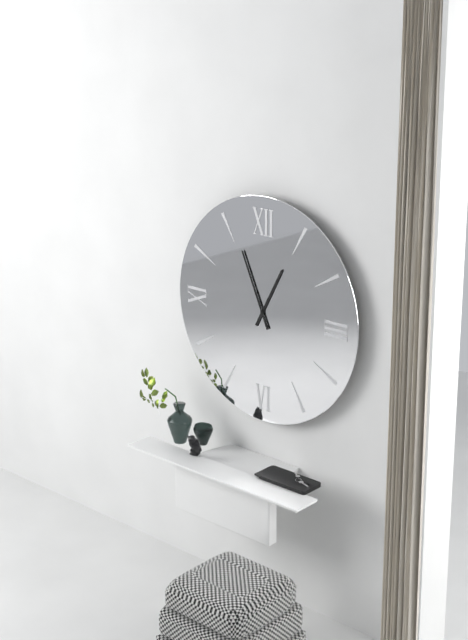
12:56
